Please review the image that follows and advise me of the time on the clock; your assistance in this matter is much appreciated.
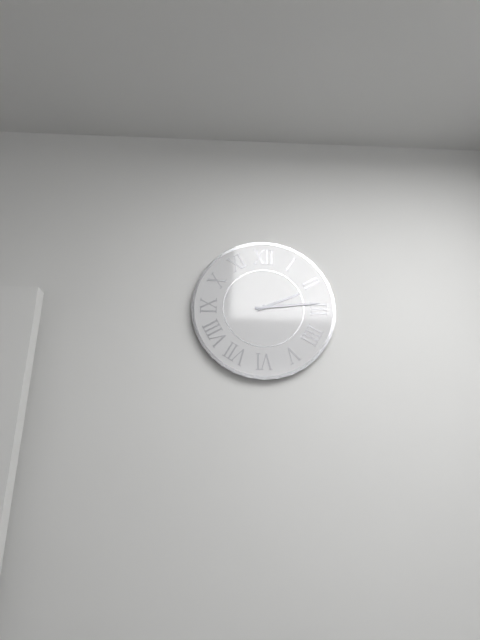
2:14
